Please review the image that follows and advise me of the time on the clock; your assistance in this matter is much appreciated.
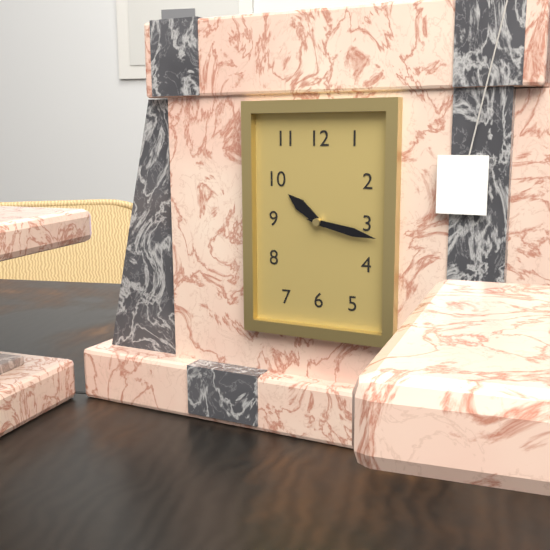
10:17
